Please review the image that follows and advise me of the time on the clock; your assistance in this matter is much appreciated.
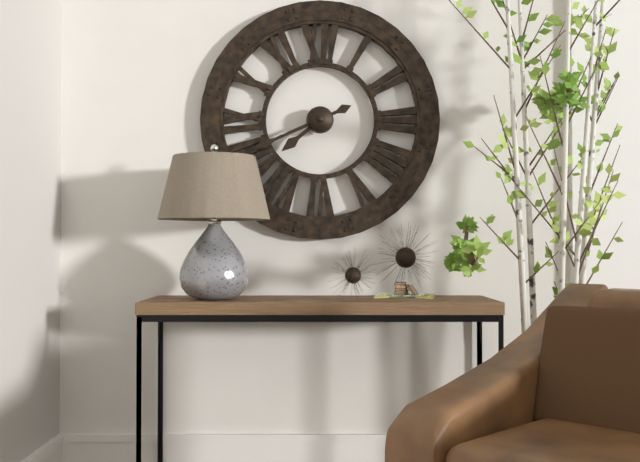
7:41
